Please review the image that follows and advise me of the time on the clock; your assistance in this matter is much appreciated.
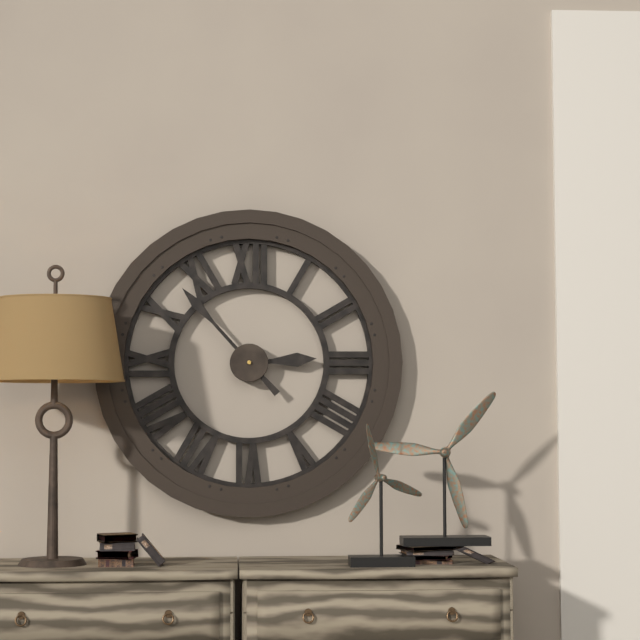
2:53
